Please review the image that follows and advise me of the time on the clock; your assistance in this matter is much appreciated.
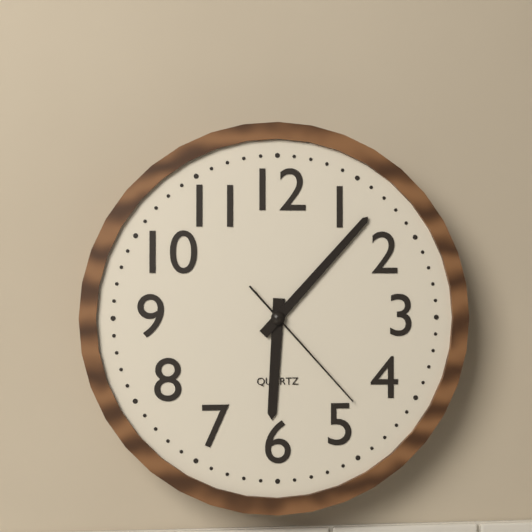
6:07:23
